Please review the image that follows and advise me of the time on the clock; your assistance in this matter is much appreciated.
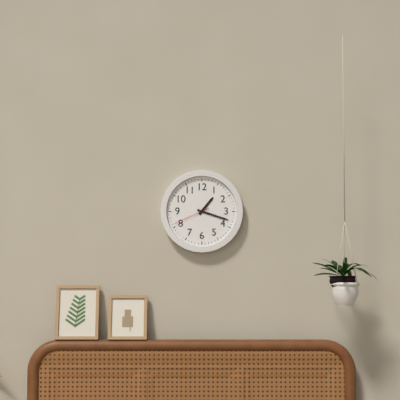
1:18
